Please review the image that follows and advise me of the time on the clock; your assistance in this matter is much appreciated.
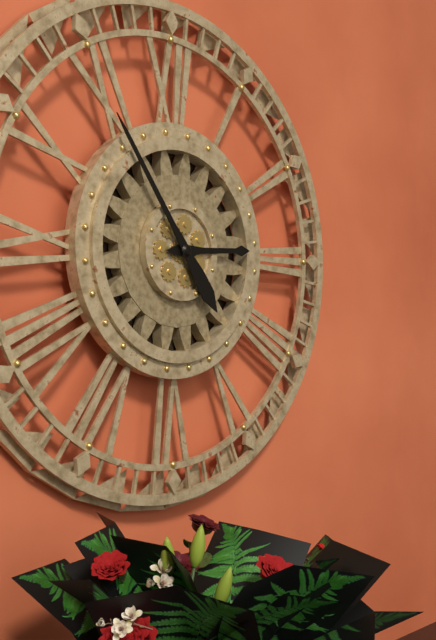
2:54
